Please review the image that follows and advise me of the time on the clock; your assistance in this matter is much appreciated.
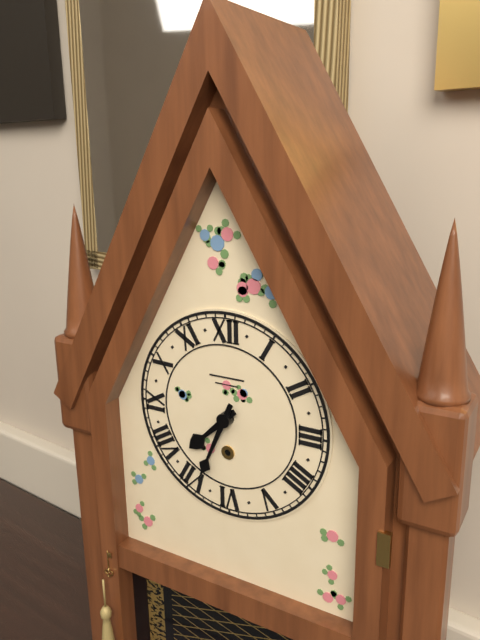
7:34
